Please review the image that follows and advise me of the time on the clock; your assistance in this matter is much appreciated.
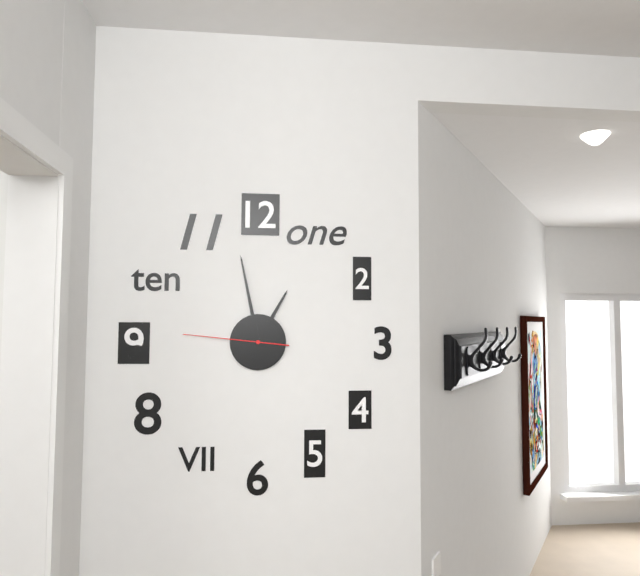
12:58:46
